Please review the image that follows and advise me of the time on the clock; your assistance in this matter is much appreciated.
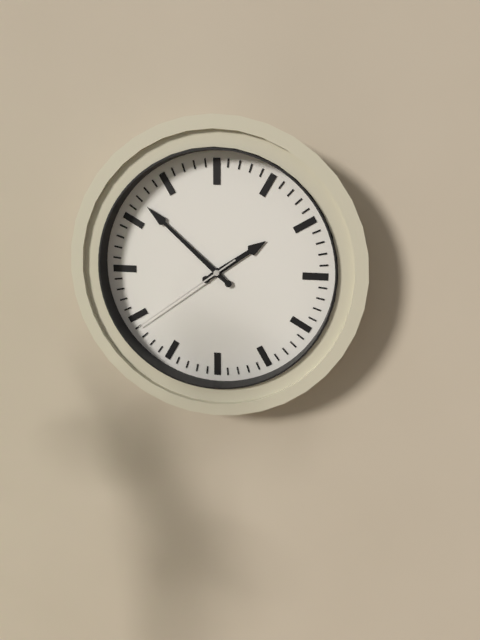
1:52:39
